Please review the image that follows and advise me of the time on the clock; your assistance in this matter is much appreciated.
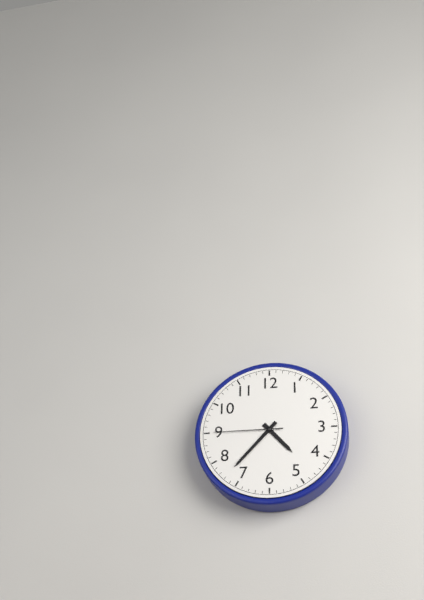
4:37:45
